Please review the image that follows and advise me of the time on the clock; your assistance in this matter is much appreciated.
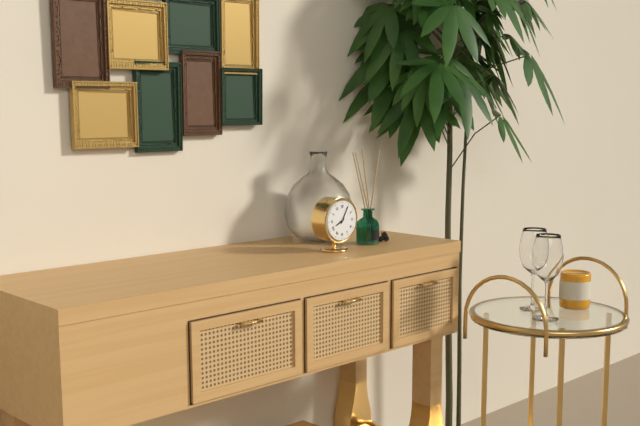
8:05
